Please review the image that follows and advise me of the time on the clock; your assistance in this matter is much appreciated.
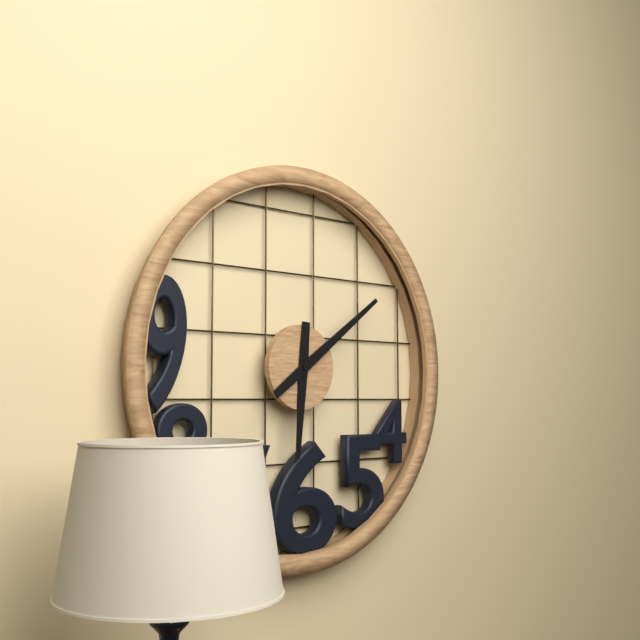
6:09
